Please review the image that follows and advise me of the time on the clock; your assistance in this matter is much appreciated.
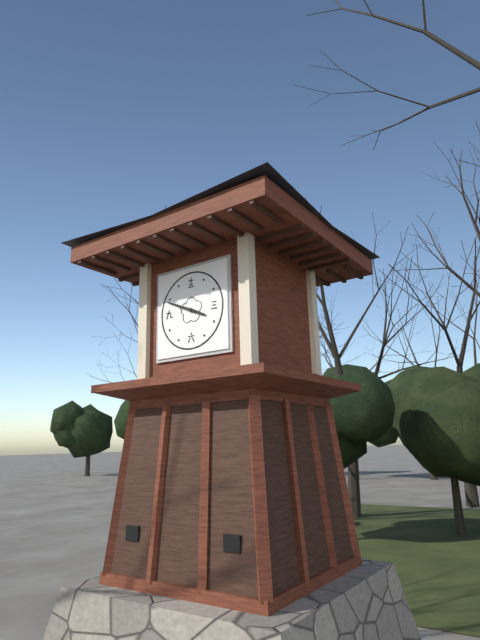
3:49
